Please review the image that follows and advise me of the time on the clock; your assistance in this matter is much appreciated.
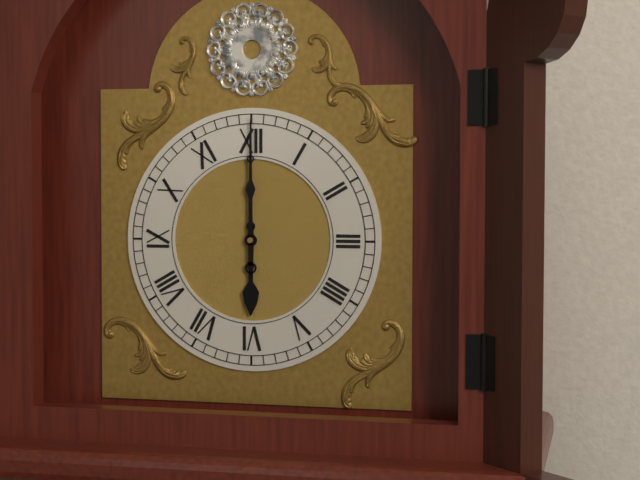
6:00
